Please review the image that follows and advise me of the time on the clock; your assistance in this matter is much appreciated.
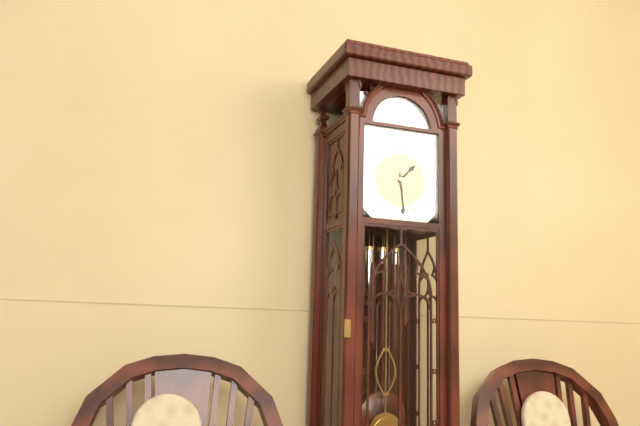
1:29
